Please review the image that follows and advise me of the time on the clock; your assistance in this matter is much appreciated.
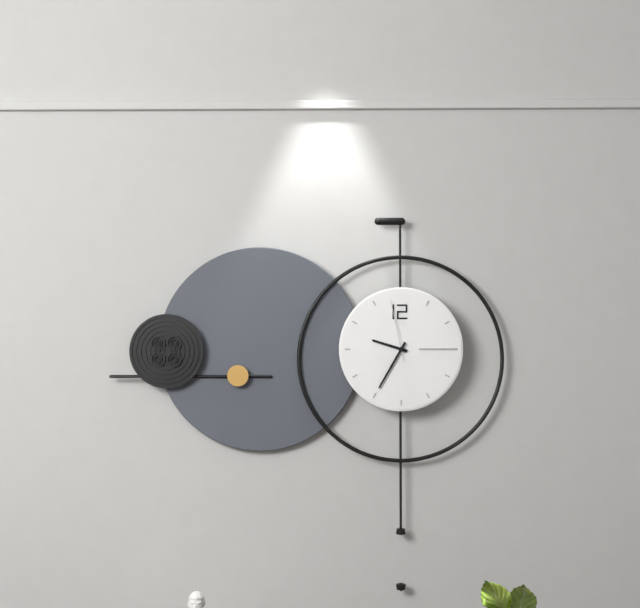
9:35:58
